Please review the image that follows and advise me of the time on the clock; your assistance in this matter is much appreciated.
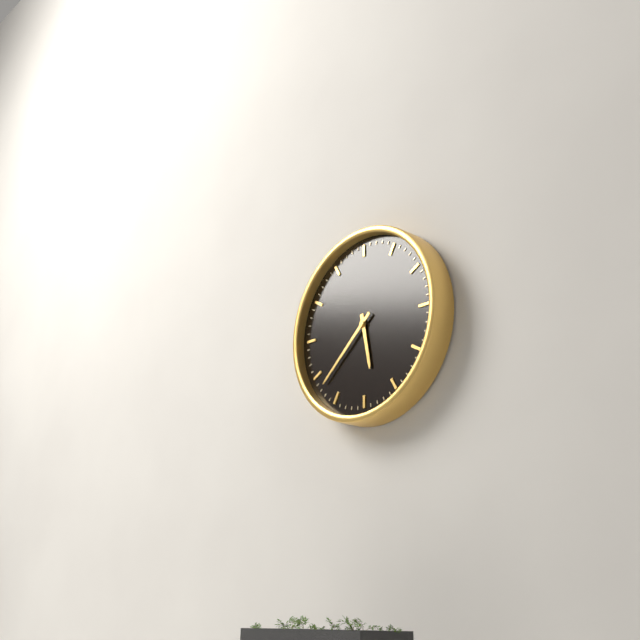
5:38
